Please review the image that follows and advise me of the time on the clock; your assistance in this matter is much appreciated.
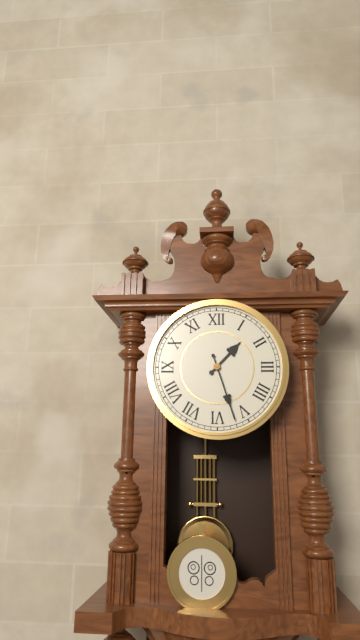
1:27
